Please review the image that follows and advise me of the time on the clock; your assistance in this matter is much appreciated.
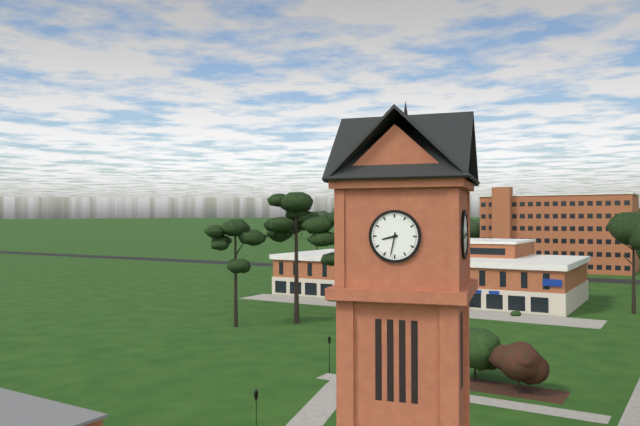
8:32
